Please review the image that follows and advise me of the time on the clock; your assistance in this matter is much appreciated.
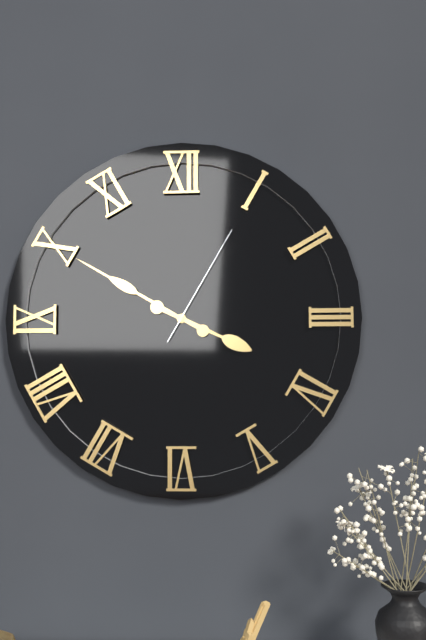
3:50:05
